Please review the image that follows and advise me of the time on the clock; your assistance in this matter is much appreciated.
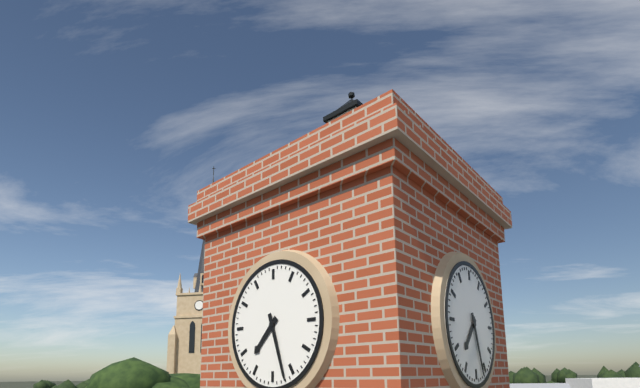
7:27
